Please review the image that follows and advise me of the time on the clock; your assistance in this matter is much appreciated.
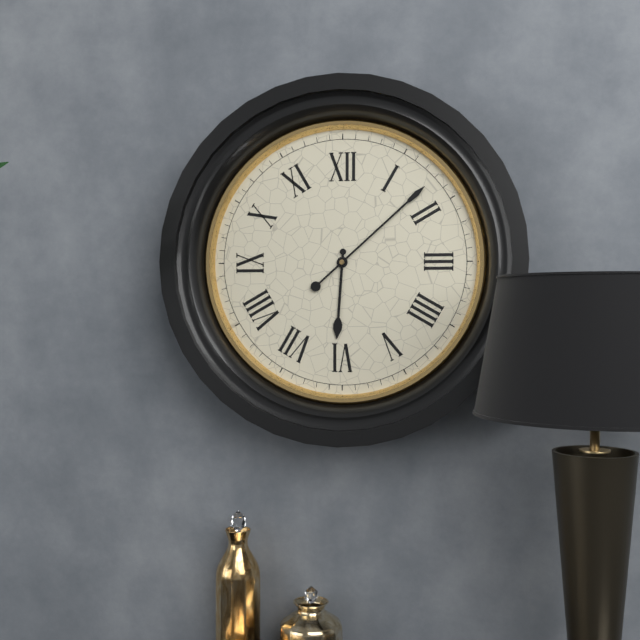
6:08
